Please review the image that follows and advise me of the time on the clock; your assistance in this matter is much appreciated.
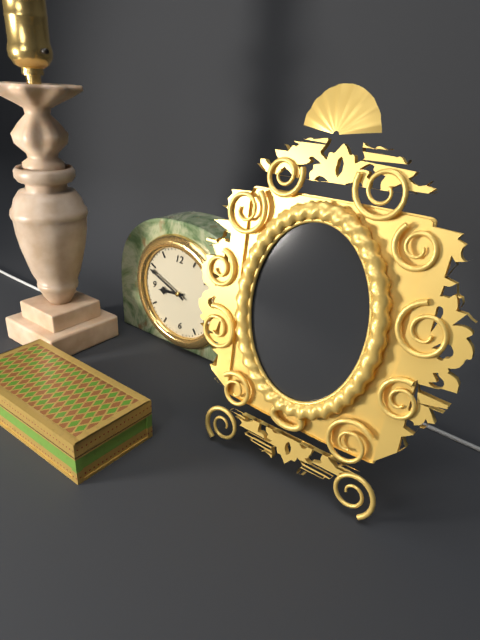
8:49
